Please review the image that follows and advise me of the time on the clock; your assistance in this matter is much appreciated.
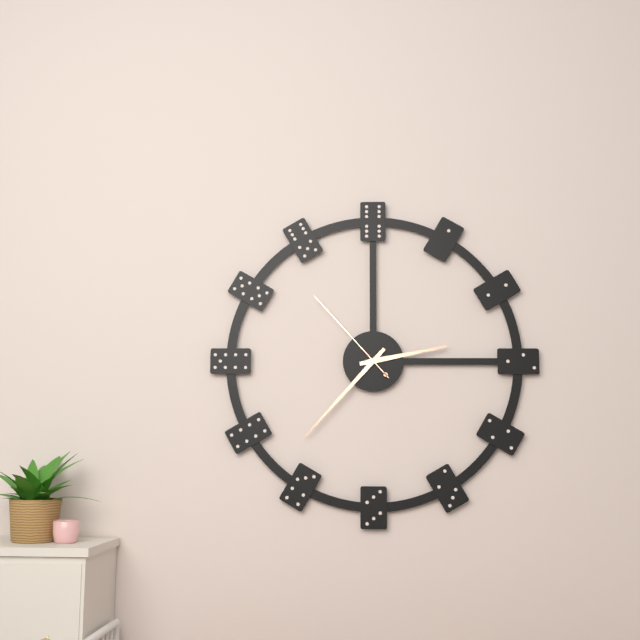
2:37:53
